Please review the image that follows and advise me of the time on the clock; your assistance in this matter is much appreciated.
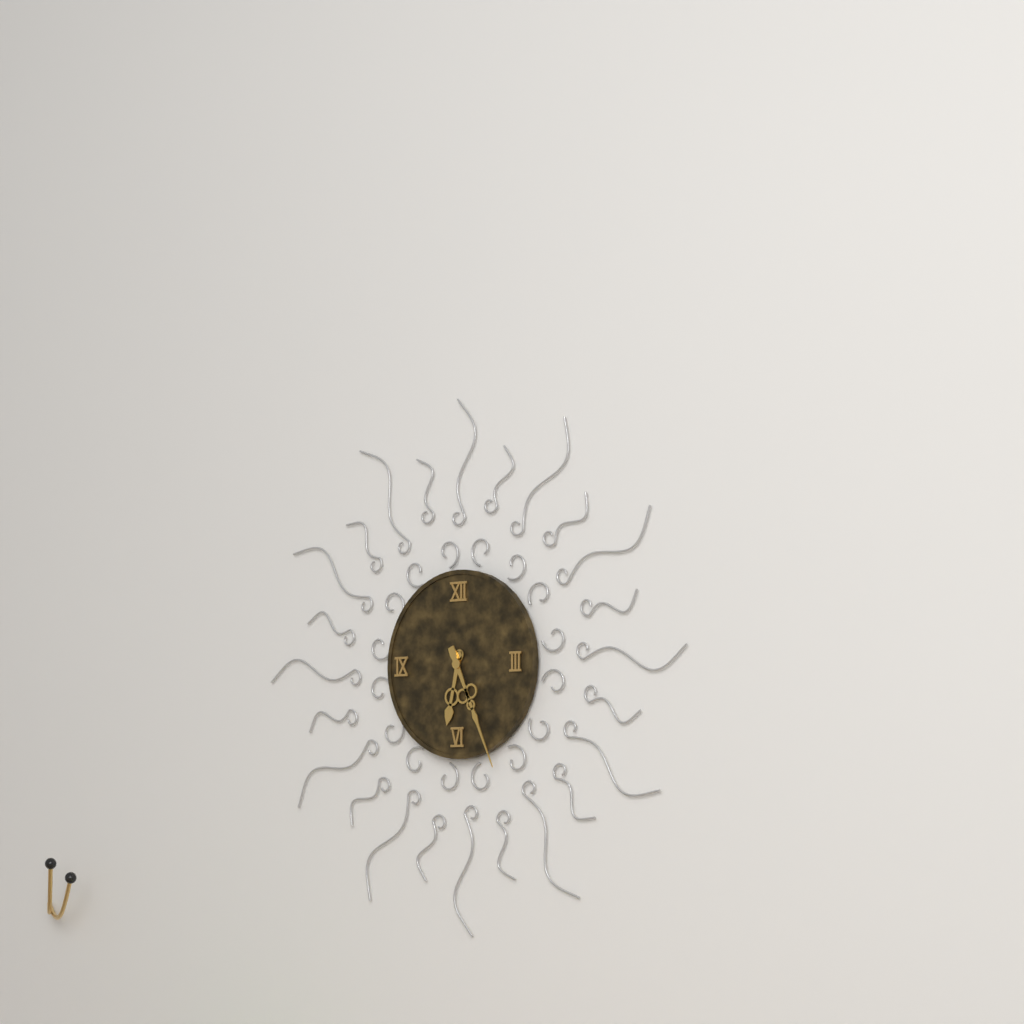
6:26
